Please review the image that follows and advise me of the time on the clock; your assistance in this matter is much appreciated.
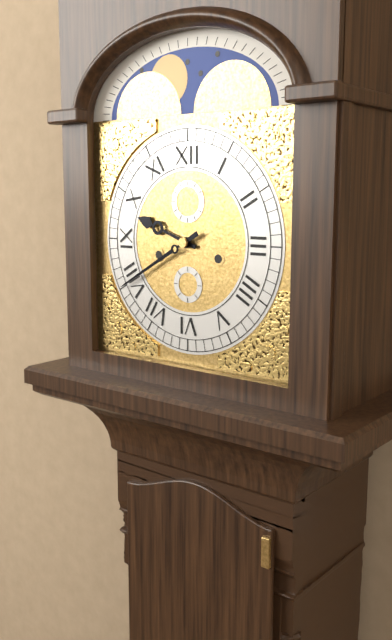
9:40
